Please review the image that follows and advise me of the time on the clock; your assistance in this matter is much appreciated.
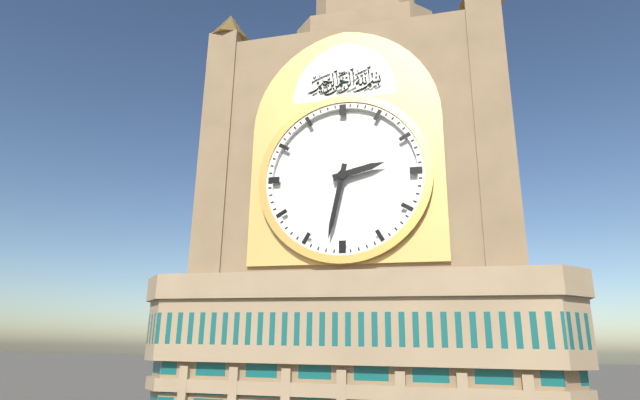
2:32
